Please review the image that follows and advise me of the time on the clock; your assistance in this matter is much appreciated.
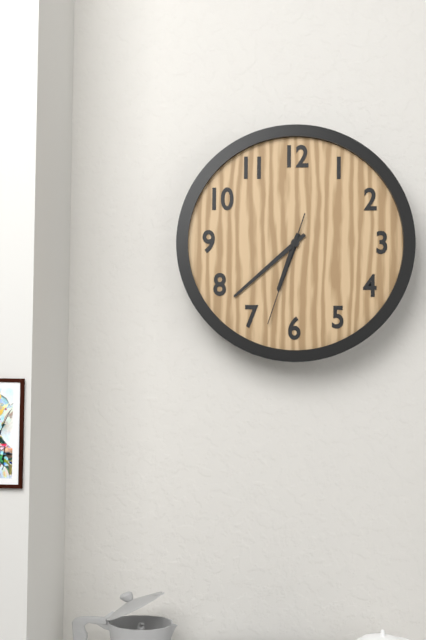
6:38:33
